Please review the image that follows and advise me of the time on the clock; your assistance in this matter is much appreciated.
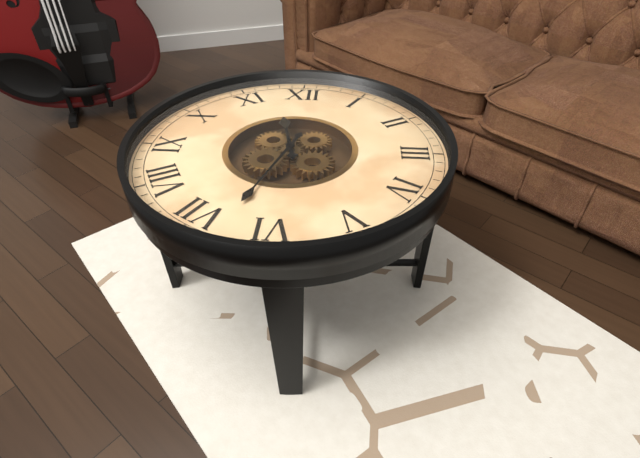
11:33
